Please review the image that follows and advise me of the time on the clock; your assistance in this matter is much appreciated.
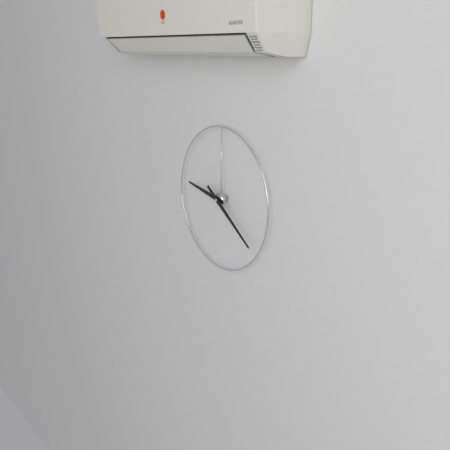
9:21
